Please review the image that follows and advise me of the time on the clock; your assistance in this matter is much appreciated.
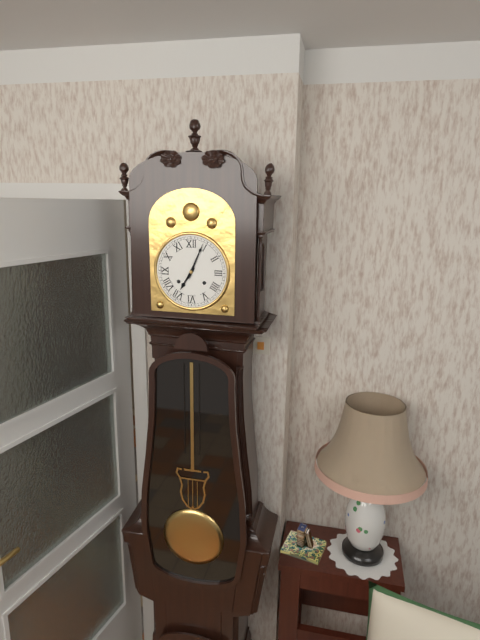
7:04
